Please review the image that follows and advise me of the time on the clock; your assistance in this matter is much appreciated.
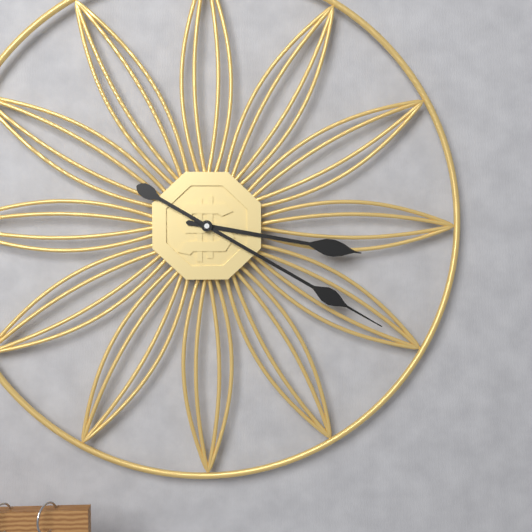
3:20
